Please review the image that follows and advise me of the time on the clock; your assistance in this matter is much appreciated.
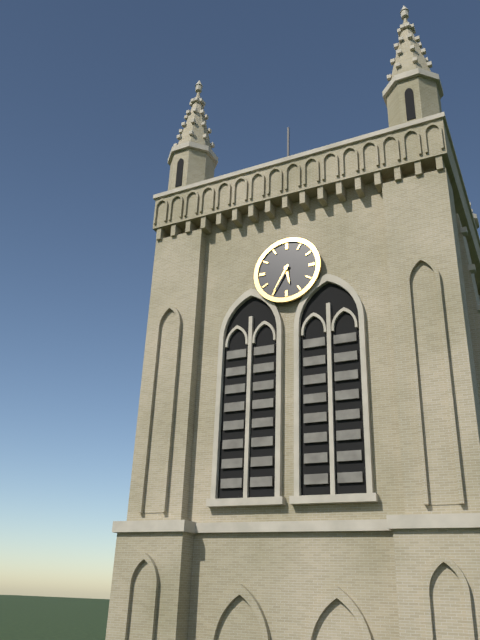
5:35
